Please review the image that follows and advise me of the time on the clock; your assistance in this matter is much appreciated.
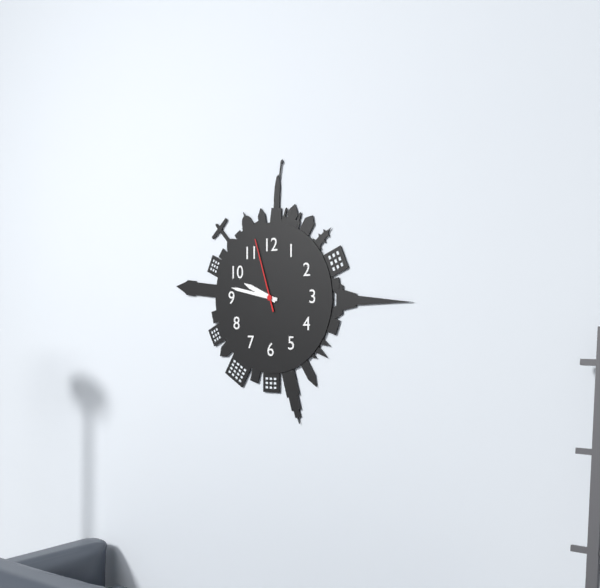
9:47:57
